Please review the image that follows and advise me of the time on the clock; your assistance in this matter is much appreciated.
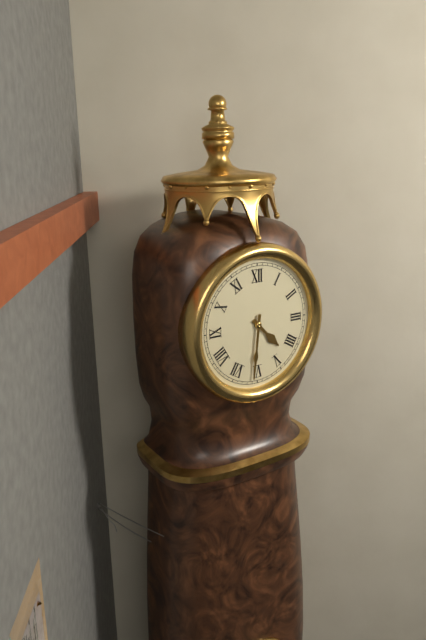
4:31
